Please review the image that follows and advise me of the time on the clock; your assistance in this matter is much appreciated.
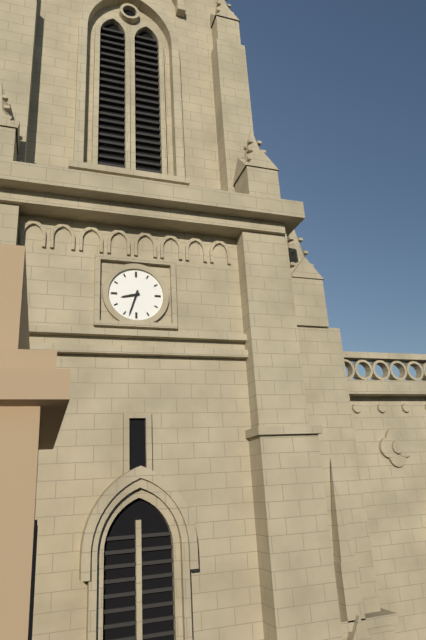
8:33
